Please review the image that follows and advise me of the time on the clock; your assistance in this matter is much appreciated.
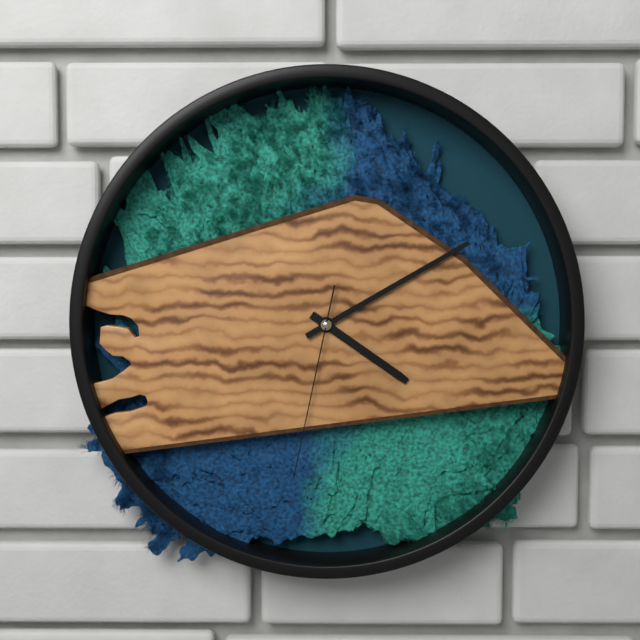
4:10:32
